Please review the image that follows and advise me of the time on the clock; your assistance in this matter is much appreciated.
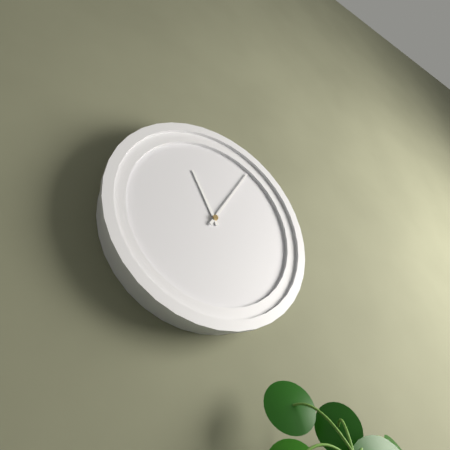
11:05
